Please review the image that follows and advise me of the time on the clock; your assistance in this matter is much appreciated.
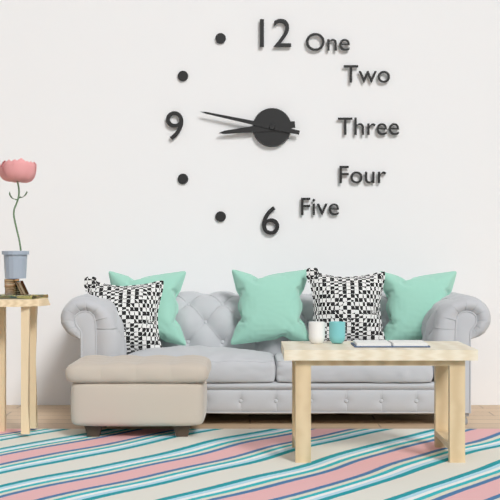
8:47
